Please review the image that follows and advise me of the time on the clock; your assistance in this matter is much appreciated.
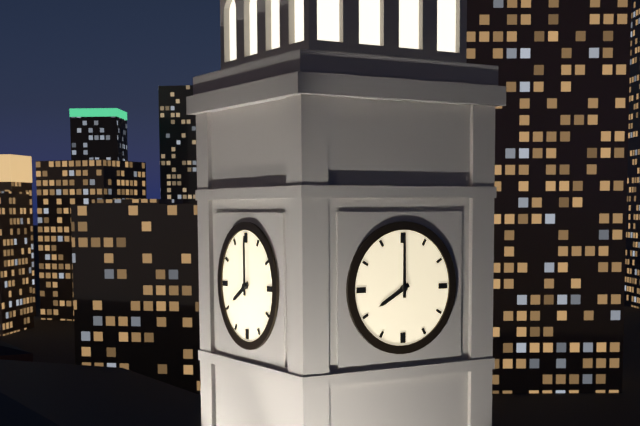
8:00
